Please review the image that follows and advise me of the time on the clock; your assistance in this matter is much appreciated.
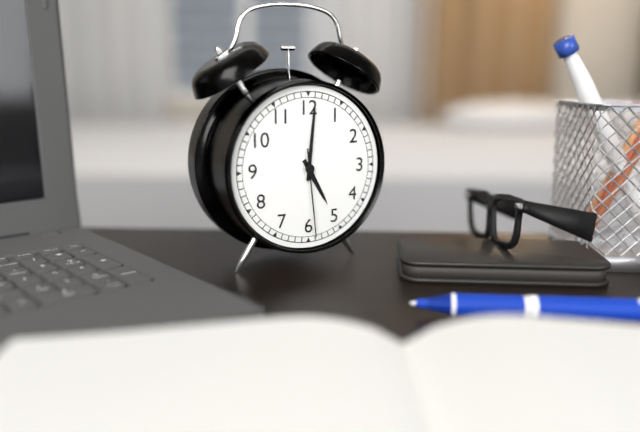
5:01:29
